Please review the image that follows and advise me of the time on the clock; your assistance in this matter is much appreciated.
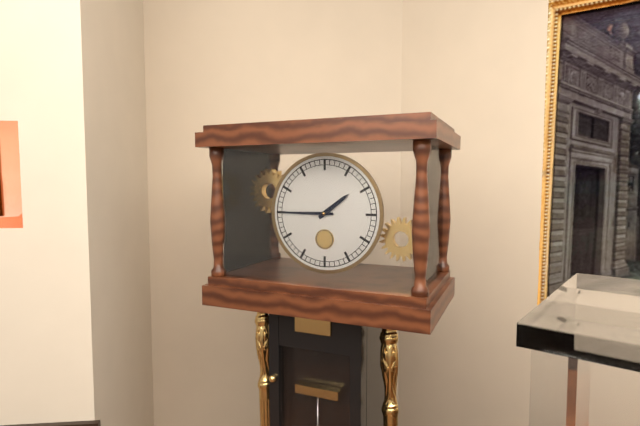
1:45
